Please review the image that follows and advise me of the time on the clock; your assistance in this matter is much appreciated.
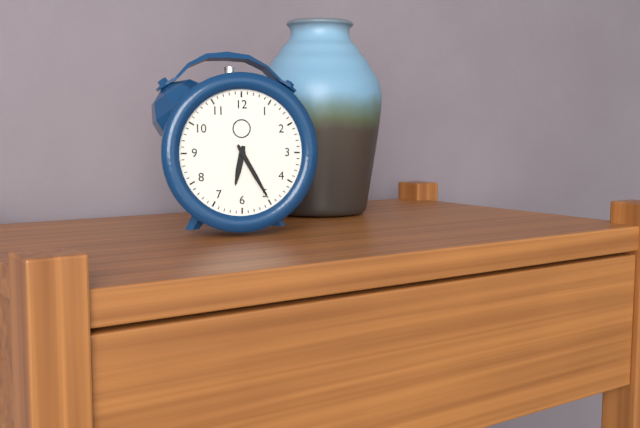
6:25
